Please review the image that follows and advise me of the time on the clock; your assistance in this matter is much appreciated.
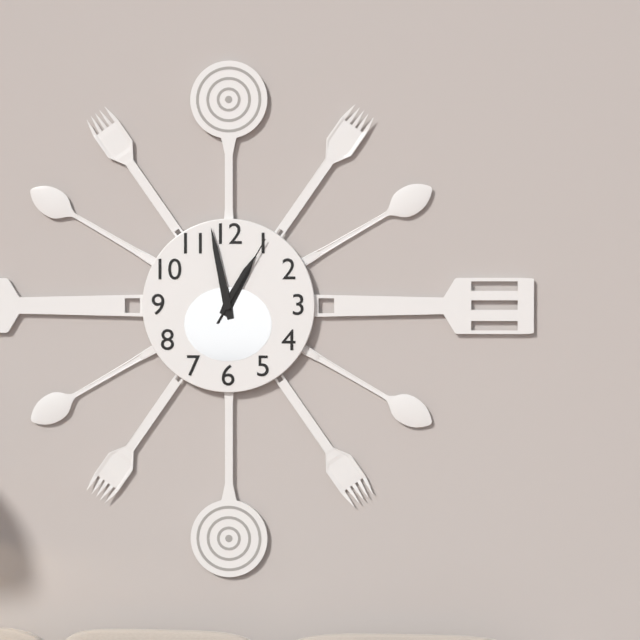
12:58:05
